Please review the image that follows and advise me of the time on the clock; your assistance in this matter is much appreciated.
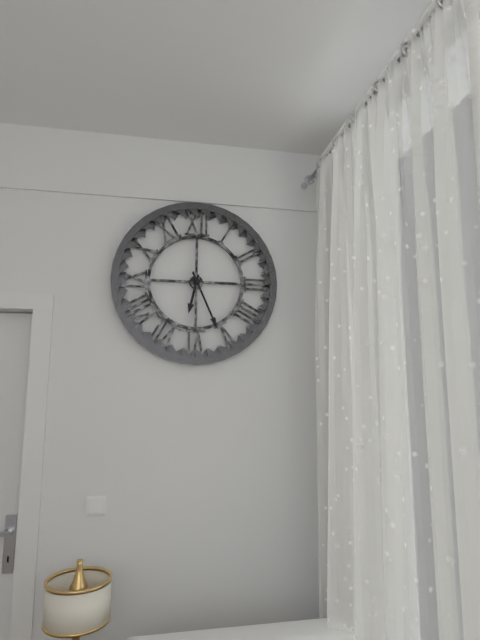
6:26
